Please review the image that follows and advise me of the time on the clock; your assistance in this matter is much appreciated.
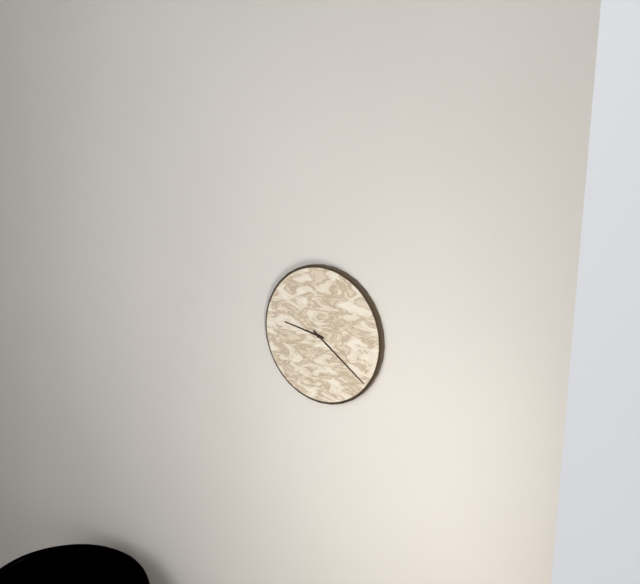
9:21
